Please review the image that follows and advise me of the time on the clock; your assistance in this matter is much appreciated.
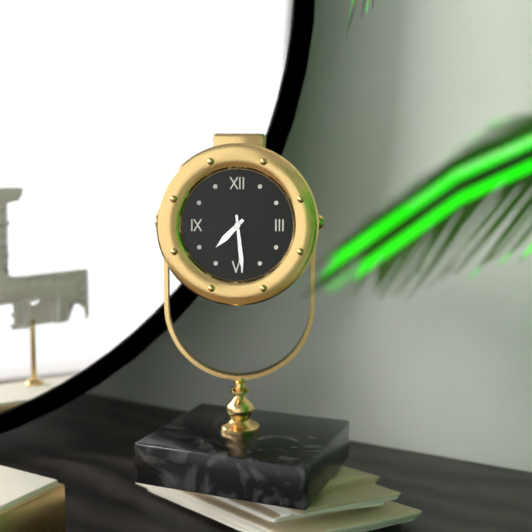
7:29
